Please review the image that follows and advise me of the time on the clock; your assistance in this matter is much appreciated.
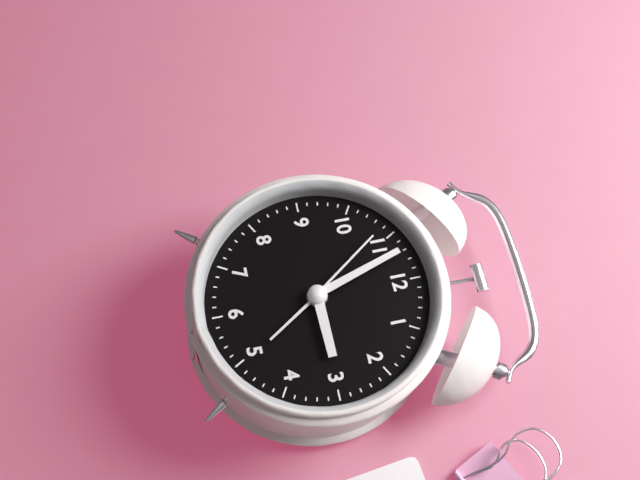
2:57:54
